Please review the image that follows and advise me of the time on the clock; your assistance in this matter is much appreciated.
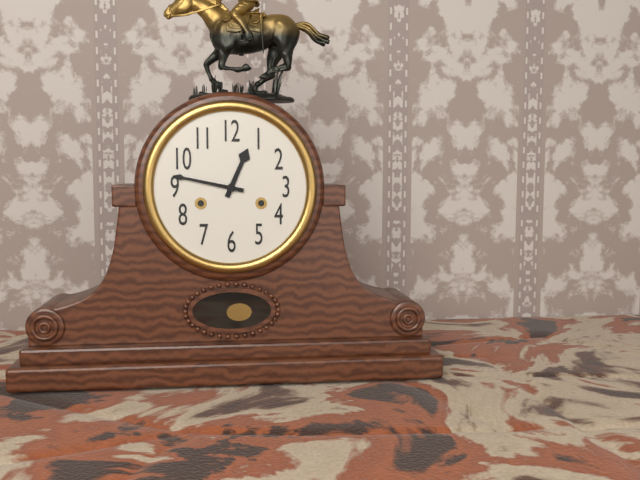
12:47
